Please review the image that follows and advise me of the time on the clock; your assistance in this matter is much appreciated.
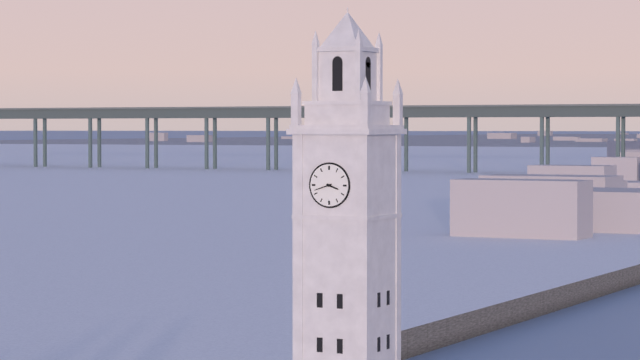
3:42
